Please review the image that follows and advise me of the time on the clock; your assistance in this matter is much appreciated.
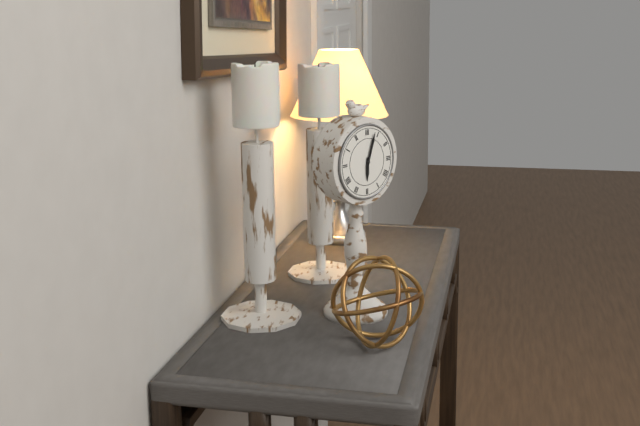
6:03
